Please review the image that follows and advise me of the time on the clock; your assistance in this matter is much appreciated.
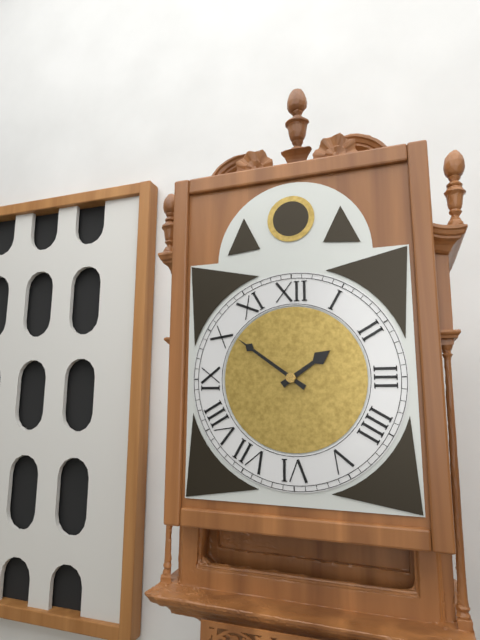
1:51
